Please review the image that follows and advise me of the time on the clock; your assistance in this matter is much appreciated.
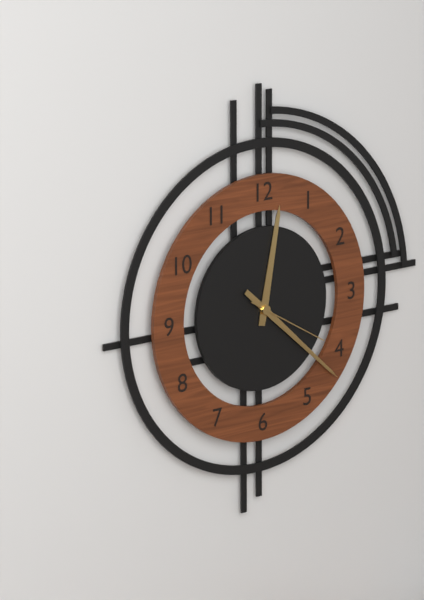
12:22:20
